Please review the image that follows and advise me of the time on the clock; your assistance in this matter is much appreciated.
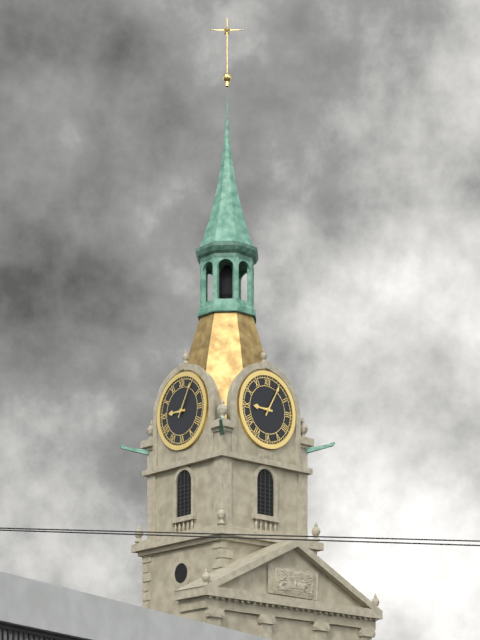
9:05
